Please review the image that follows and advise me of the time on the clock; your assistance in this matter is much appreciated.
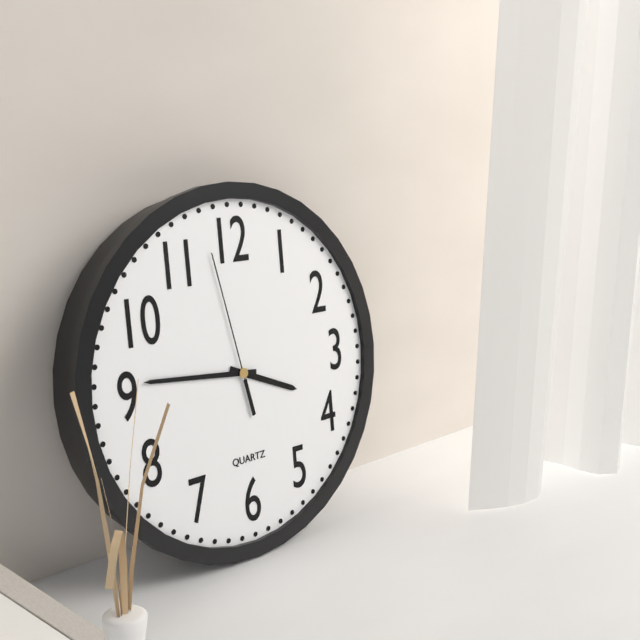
3:46:58
